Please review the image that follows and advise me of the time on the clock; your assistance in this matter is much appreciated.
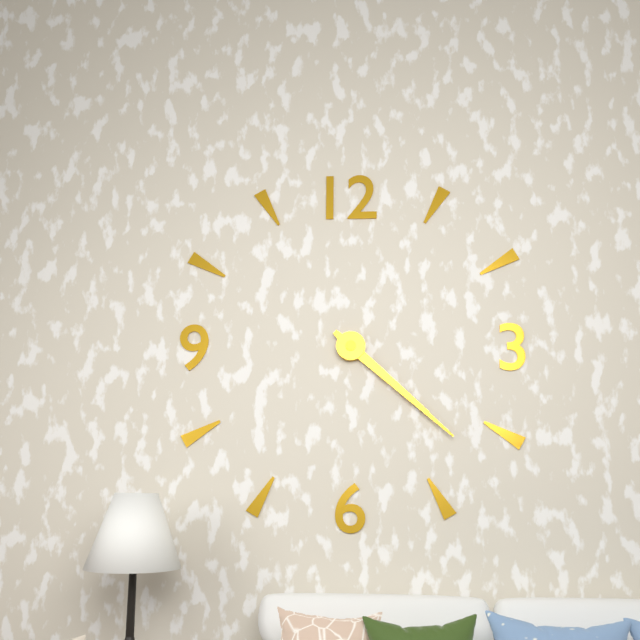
4:22
